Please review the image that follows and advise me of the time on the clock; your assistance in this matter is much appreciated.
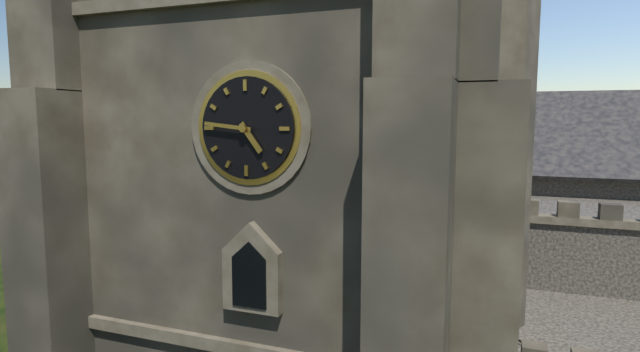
4:46
